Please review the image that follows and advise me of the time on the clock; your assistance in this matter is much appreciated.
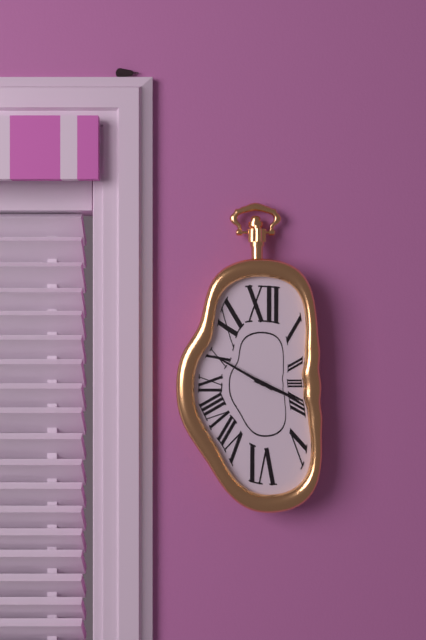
3:50
